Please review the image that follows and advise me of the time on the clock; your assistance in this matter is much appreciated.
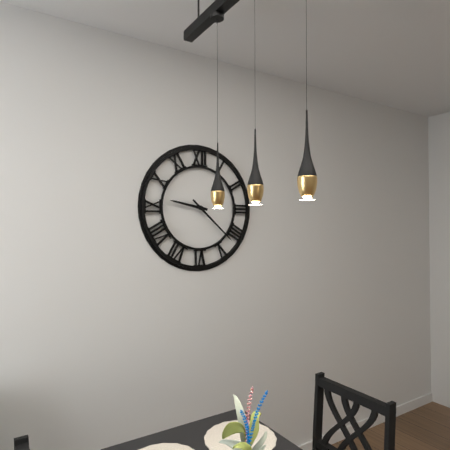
9:22
